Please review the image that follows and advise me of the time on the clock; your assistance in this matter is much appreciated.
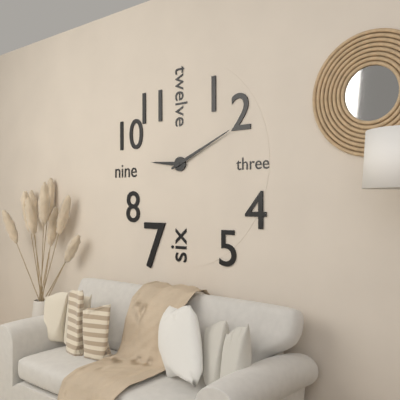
9:11
